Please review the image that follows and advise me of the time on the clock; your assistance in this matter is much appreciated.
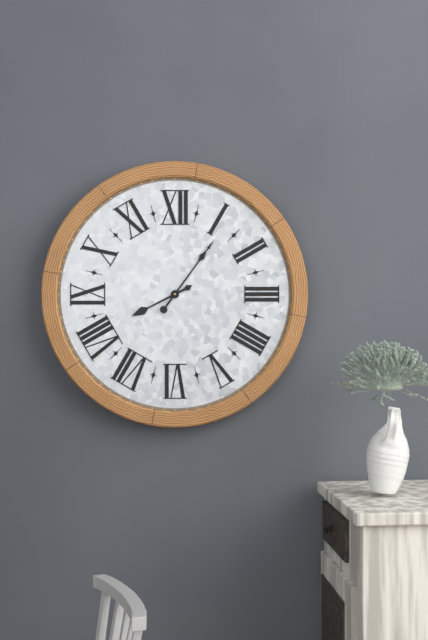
8:06
